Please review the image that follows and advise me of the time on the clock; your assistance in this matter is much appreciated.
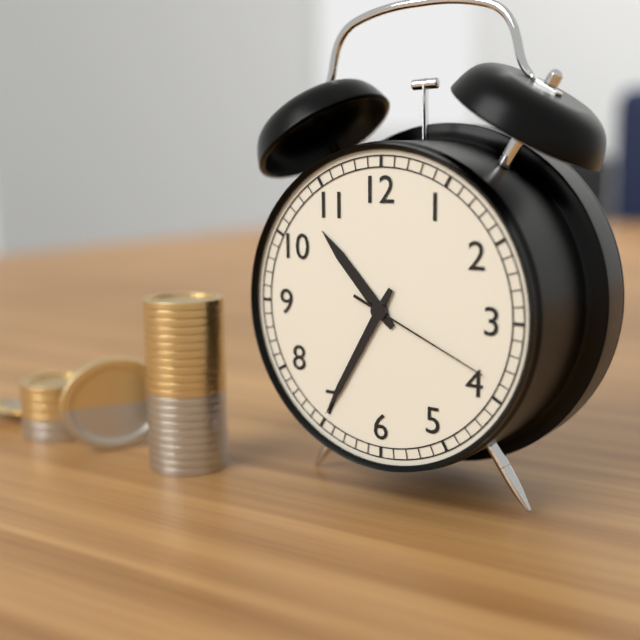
10:35:19
